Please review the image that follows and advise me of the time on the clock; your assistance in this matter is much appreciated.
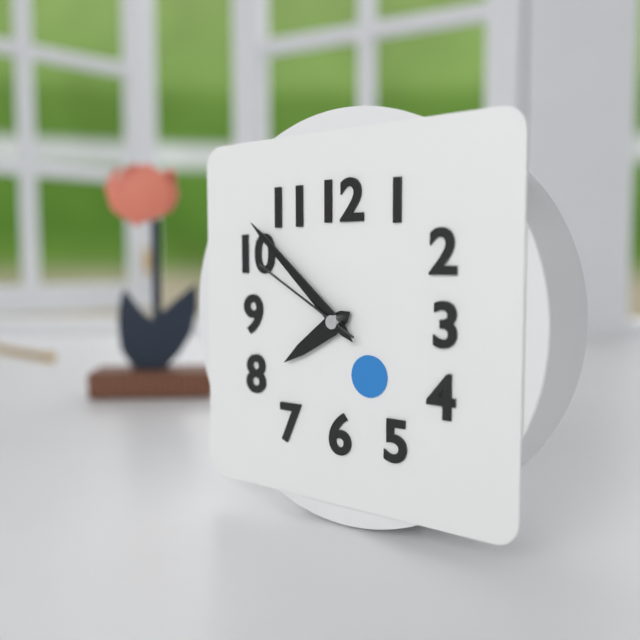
7:52:50
